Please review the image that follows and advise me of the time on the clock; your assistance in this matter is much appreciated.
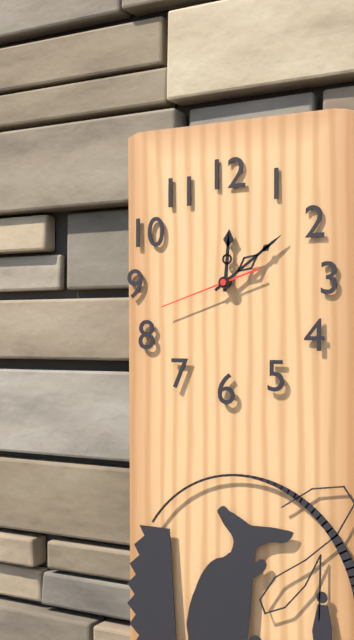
12:09:42
